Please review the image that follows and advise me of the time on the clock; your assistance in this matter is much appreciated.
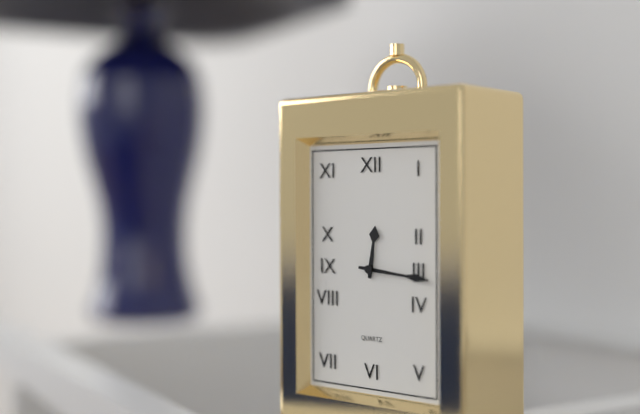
12:16
